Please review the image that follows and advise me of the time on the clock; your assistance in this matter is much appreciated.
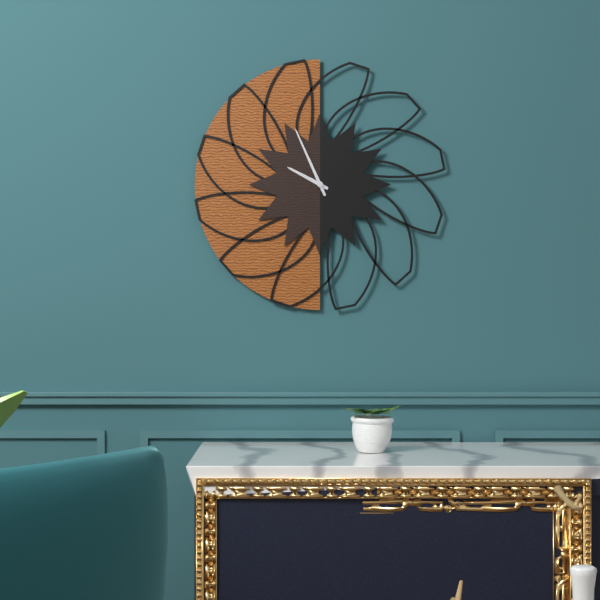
9:56
